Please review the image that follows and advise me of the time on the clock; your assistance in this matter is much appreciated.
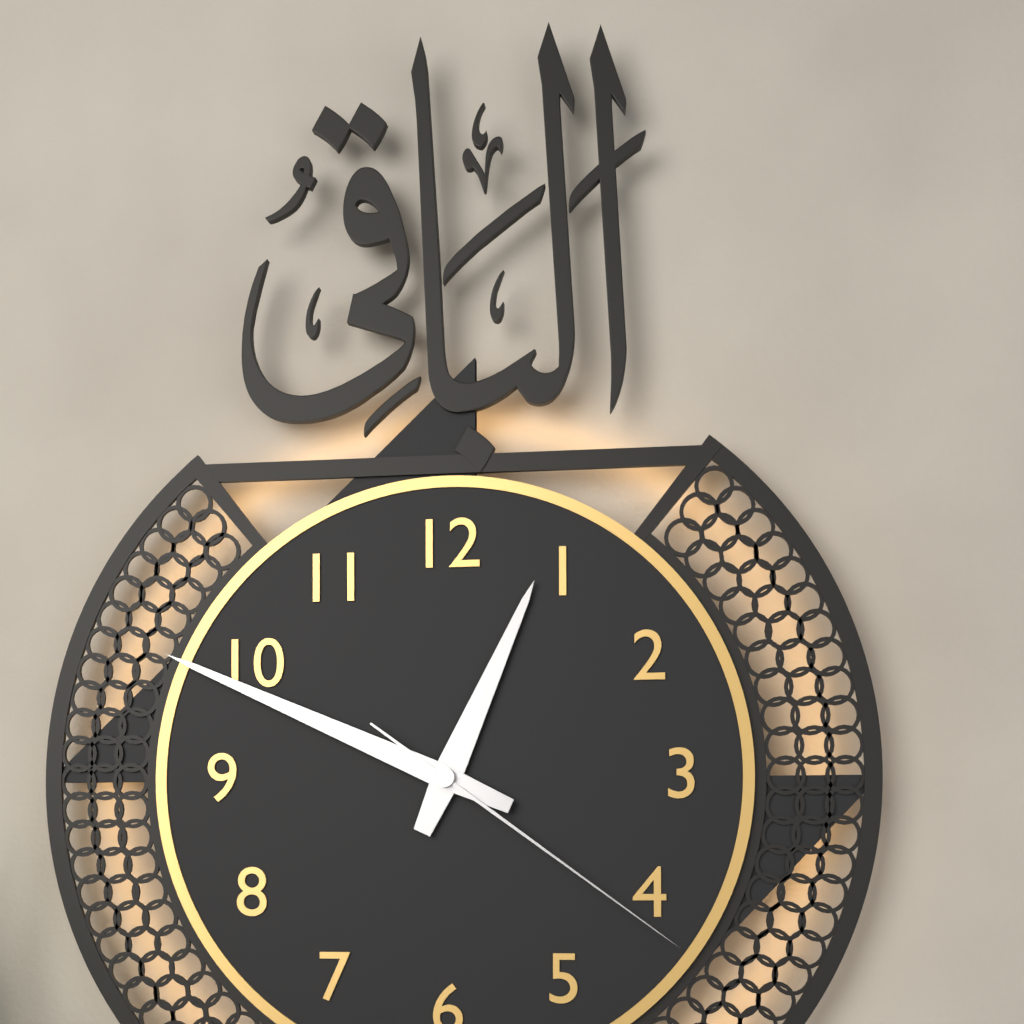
12:49:21
